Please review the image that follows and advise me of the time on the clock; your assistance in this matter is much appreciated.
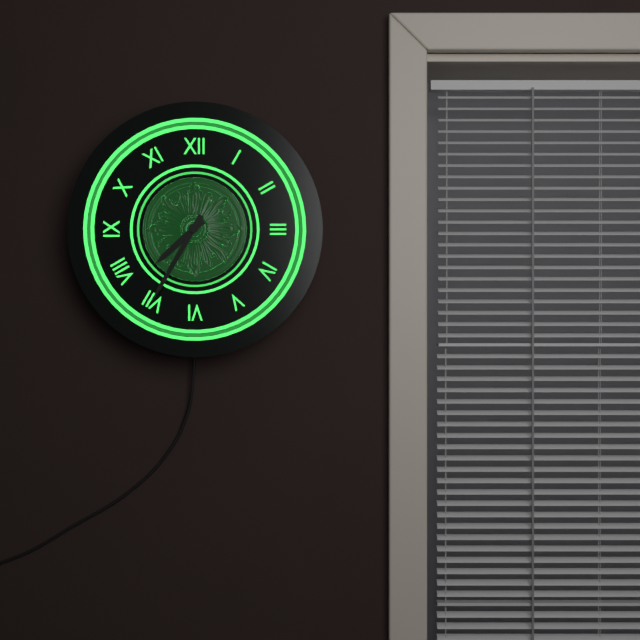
7:35
